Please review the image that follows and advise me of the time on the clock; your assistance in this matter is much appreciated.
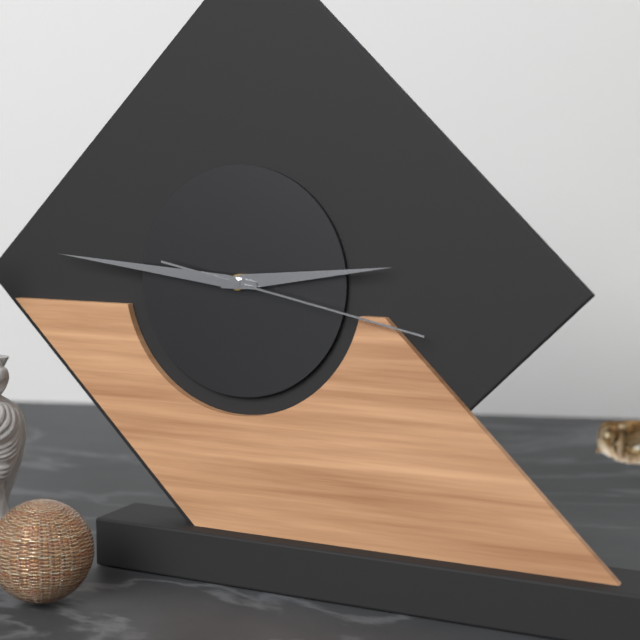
2:46:17
